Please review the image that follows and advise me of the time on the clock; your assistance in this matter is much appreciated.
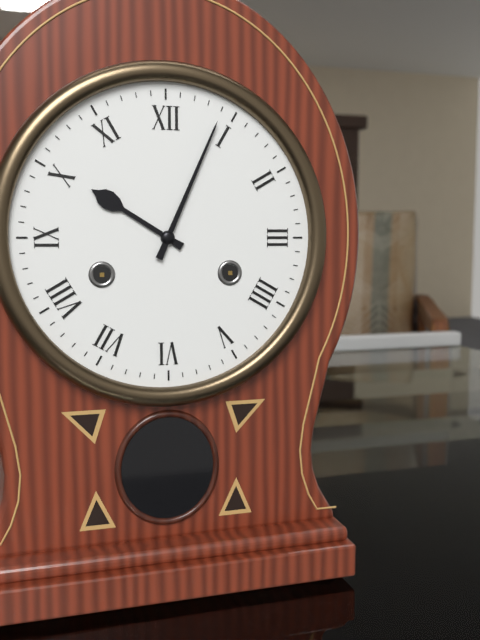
10:04
